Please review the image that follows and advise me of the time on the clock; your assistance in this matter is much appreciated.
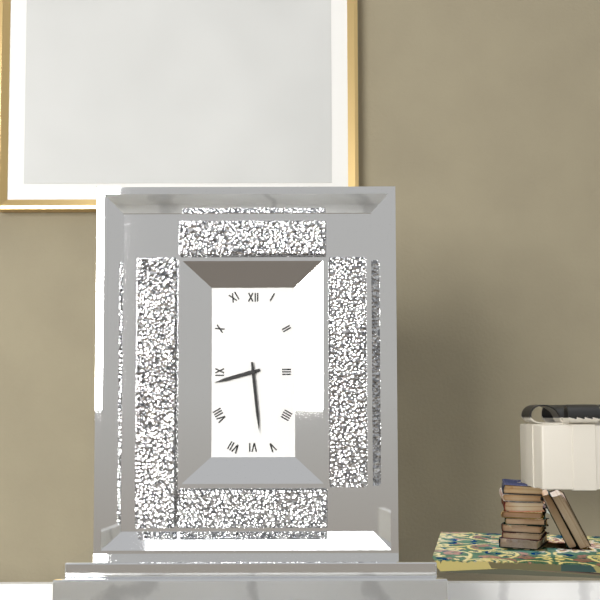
8:29
